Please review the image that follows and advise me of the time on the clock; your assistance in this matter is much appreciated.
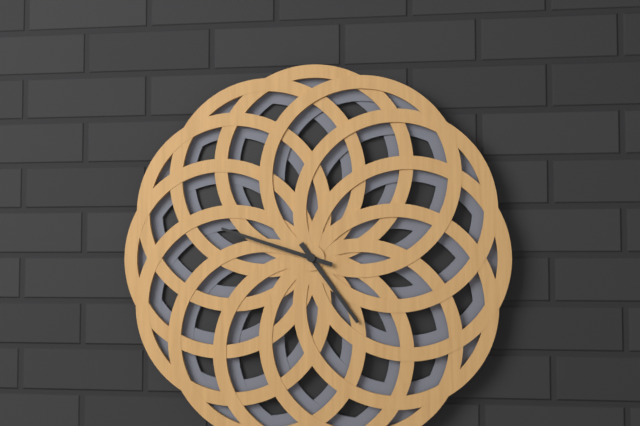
4:48
